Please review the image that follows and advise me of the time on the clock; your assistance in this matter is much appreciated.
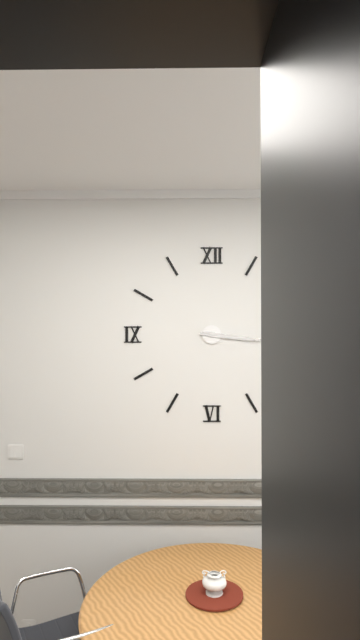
3:16
